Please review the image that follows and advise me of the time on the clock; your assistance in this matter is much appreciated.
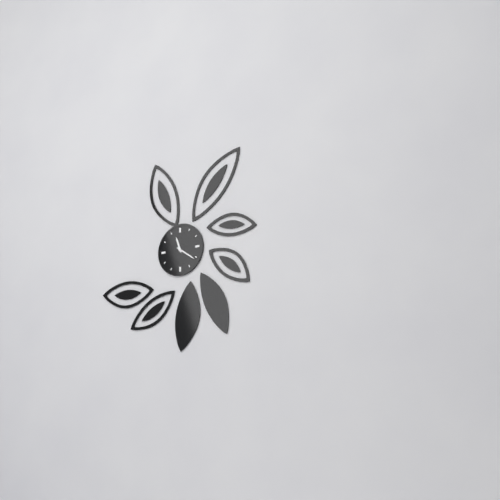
11:21
